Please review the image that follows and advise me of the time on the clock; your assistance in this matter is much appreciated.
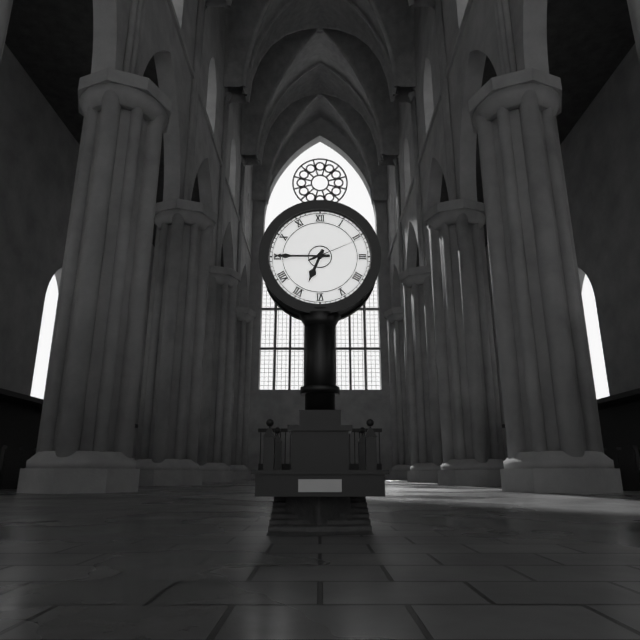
6:45:11
